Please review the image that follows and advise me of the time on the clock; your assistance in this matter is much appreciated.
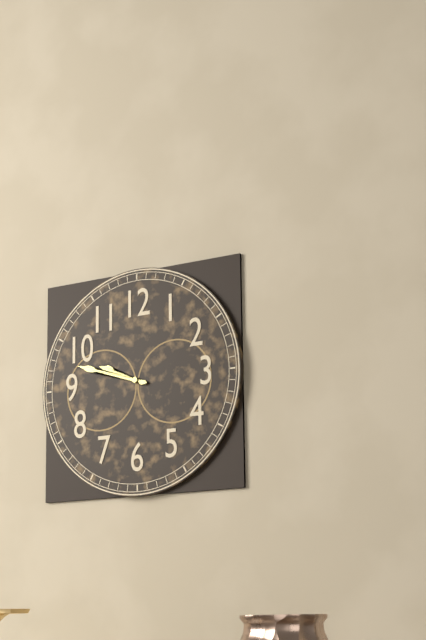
9:48
